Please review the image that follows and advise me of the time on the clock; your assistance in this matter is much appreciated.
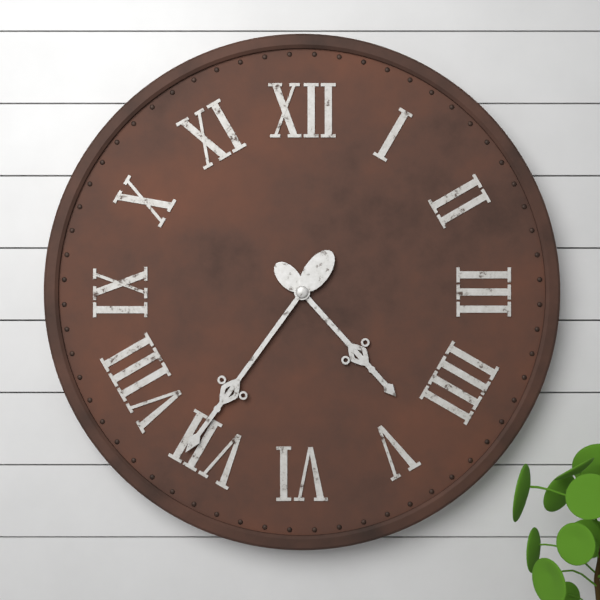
4:36
